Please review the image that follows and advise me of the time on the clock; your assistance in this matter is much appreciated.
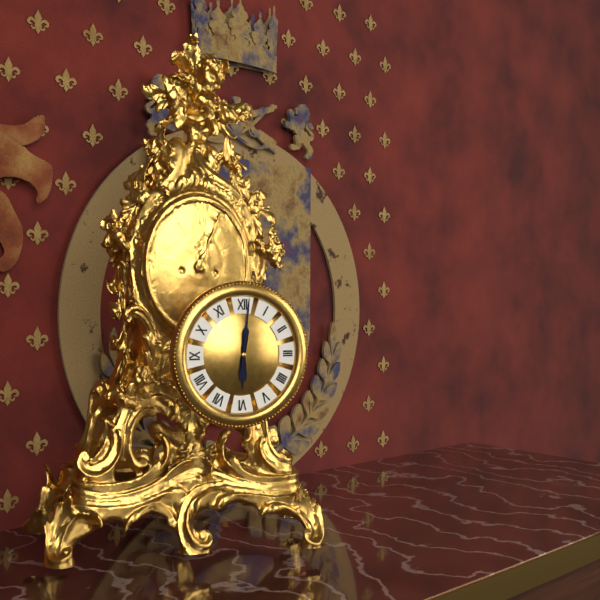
6:01
